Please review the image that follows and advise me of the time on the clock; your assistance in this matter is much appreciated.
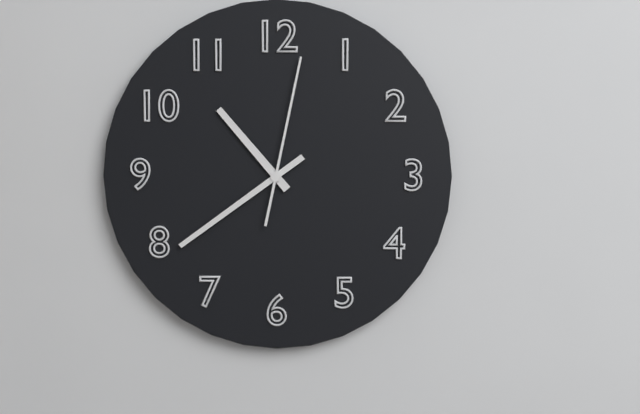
10:39:02
